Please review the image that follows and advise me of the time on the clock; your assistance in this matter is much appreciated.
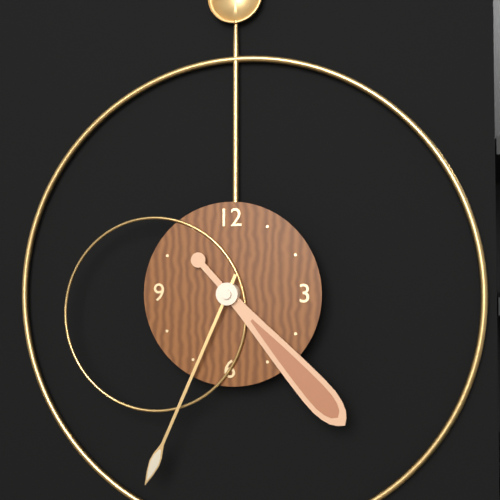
4:34
